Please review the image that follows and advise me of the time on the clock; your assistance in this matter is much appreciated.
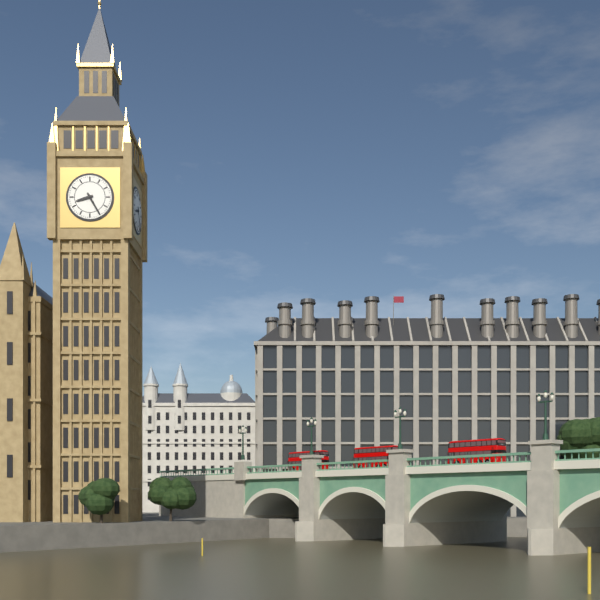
8:25
